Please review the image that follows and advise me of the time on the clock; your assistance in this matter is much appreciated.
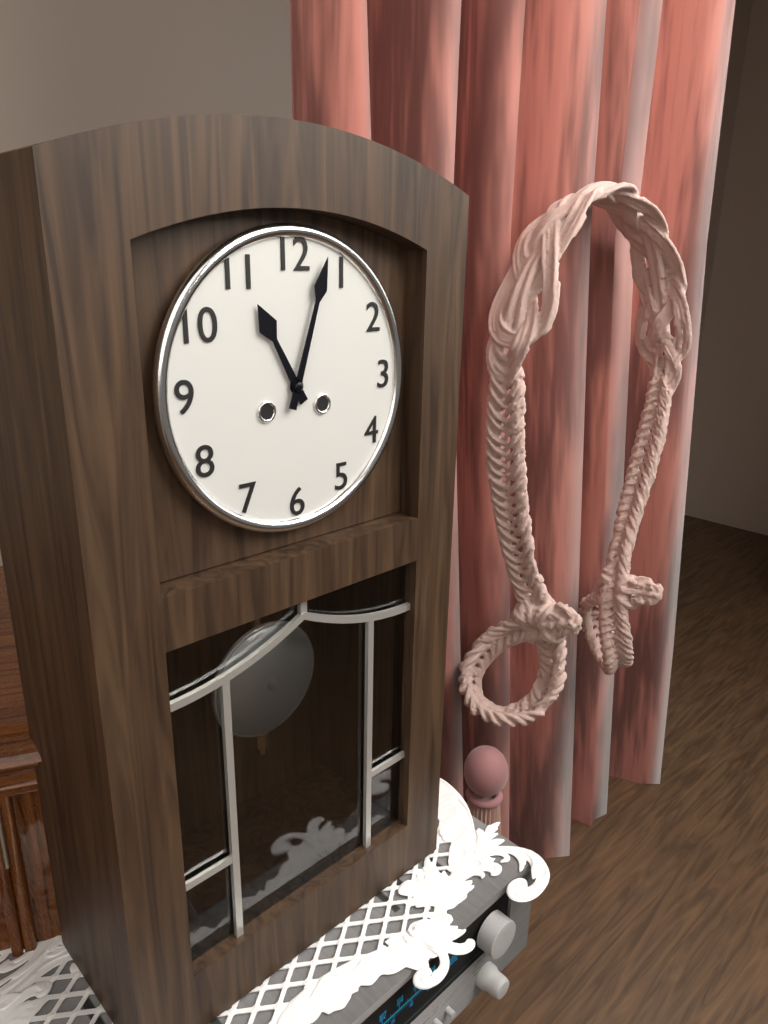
11:03
